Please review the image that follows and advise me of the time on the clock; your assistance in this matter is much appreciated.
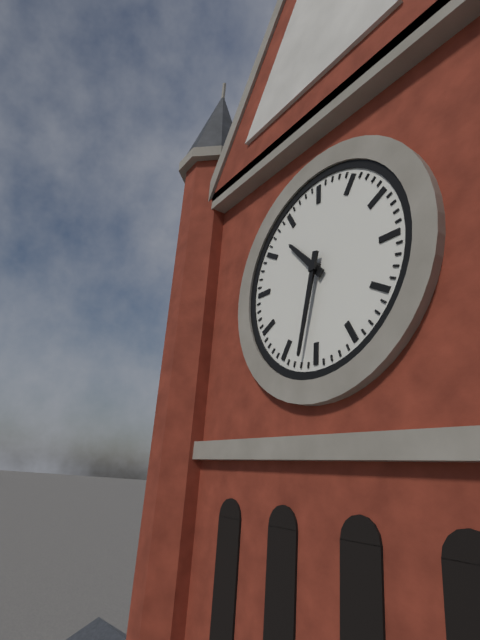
10:32
